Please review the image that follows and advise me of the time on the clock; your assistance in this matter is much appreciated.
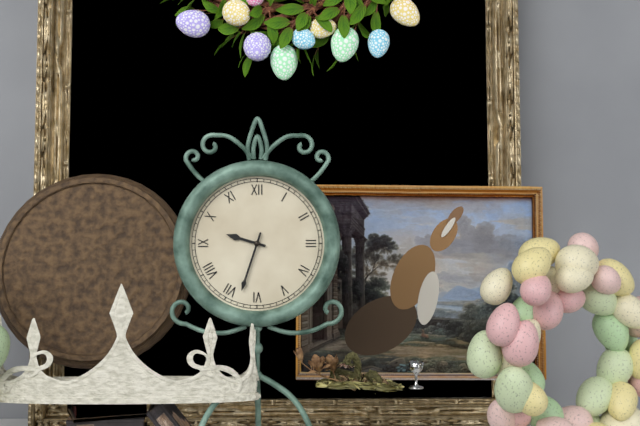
9:33
